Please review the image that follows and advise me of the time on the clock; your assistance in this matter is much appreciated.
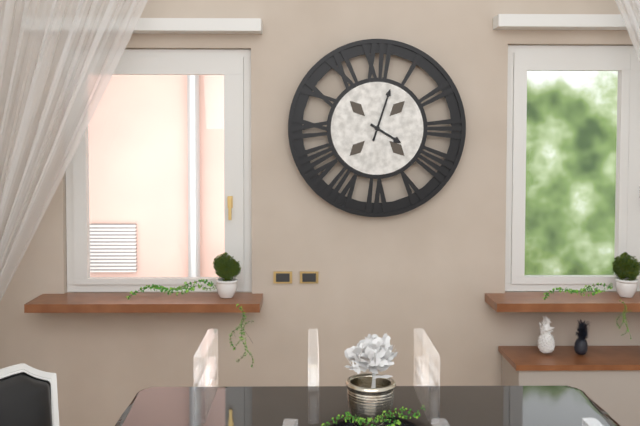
4:03
